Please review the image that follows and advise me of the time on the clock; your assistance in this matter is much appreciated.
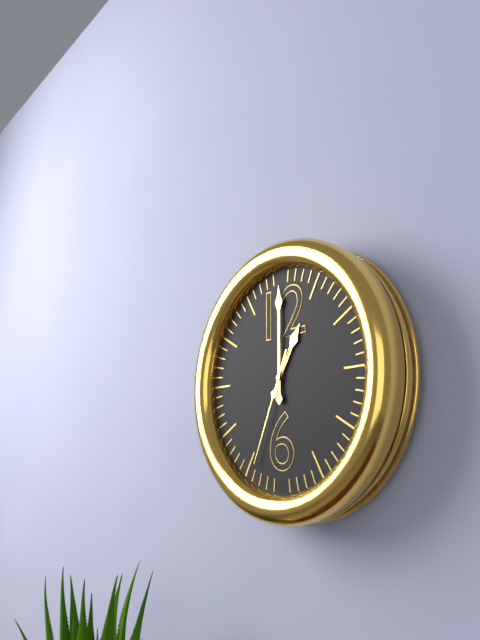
1:00:34
